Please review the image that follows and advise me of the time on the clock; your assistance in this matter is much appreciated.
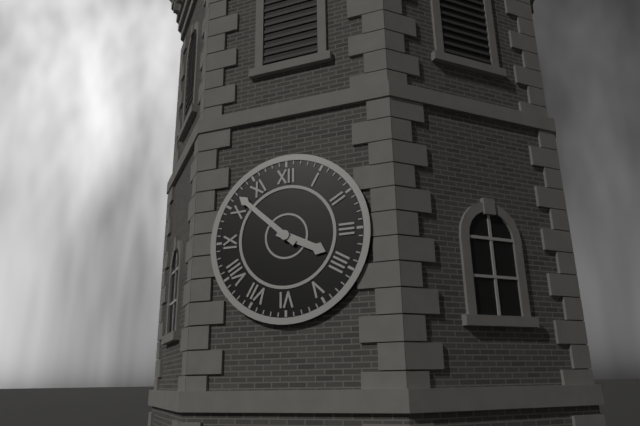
3:52
